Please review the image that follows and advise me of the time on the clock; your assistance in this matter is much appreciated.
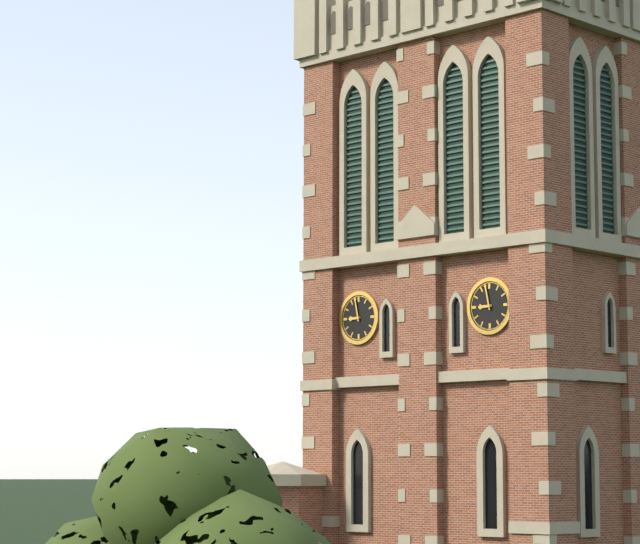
8:58
